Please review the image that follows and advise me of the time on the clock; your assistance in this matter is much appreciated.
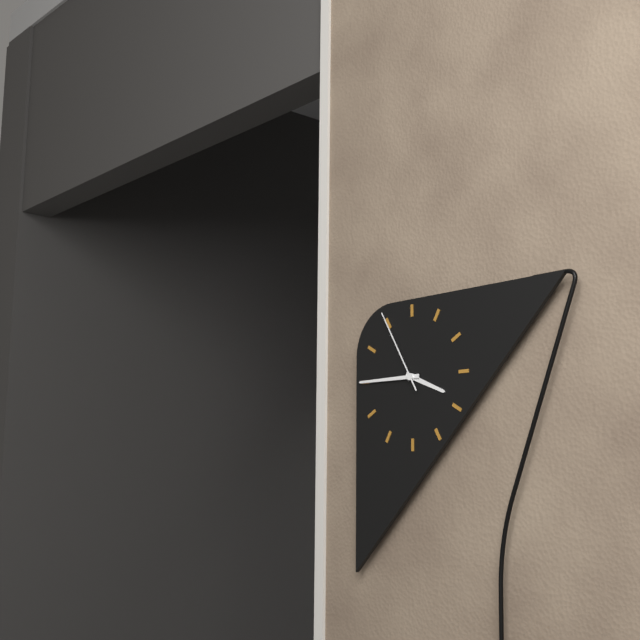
3:45:55
